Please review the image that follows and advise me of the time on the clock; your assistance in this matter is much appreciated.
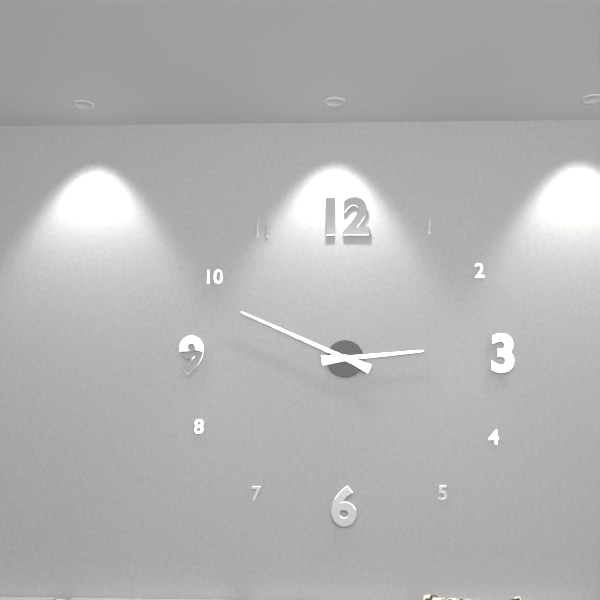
2:49
